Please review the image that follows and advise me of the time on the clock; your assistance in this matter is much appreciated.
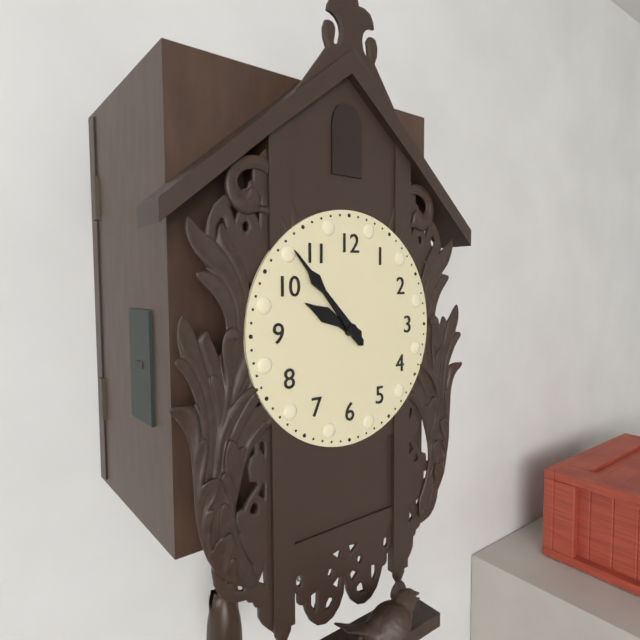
9:53
